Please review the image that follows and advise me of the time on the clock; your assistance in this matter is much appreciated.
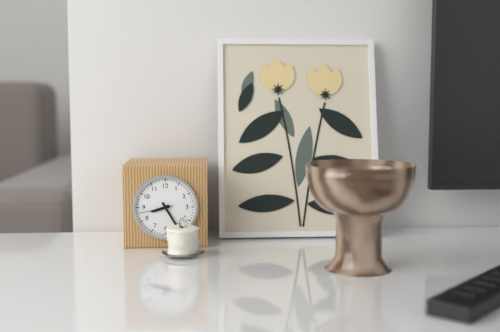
8:25
